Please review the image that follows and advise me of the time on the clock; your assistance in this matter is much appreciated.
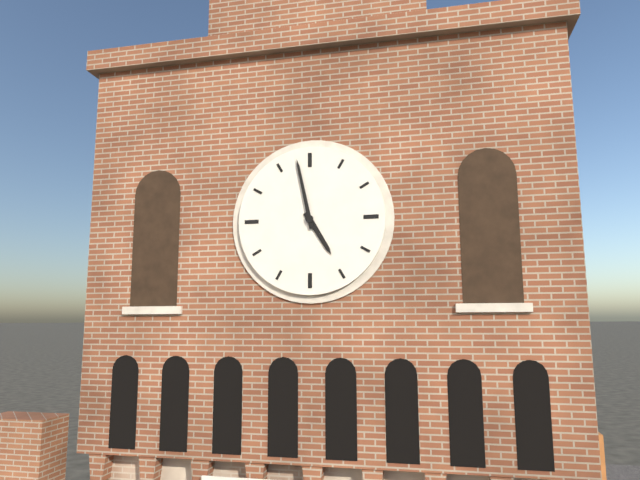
4:58
